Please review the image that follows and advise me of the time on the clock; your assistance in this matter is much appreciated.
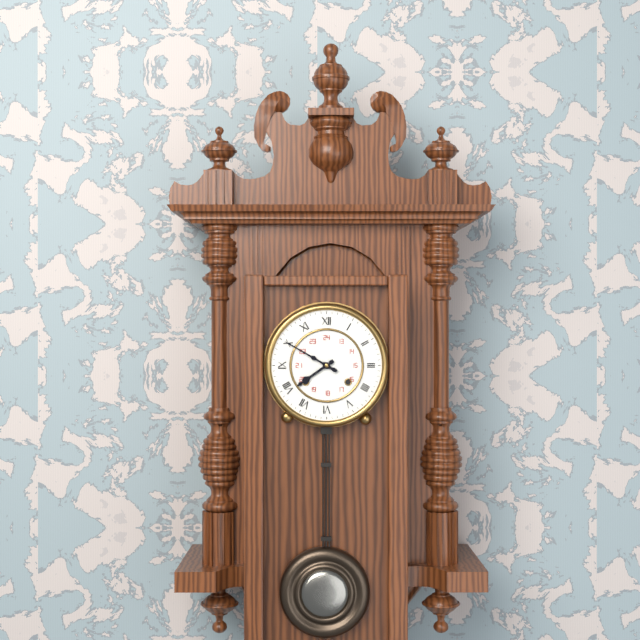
7:50
